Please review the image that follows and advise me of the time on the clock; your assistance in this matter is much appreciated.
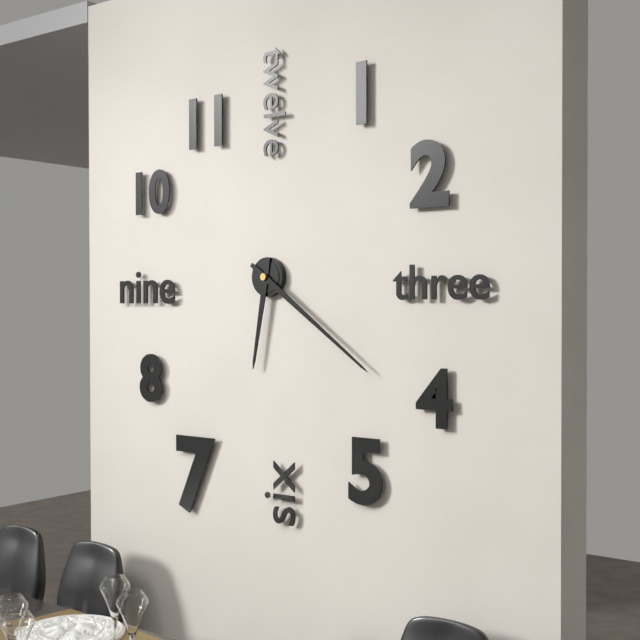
6:21
